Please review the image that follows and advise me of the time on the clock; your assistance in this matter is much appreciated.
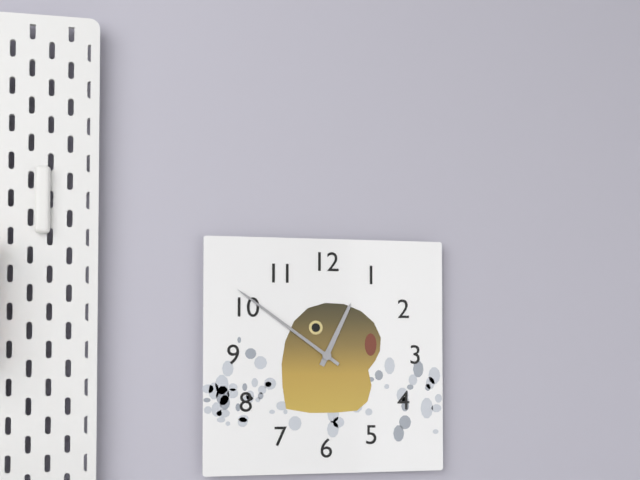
12:51
